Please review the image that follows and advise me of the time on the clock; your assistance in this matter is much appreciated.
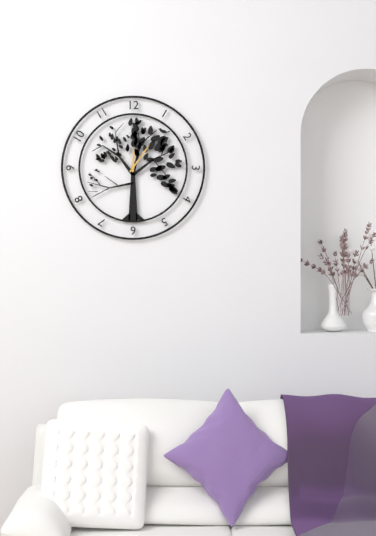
12:06
